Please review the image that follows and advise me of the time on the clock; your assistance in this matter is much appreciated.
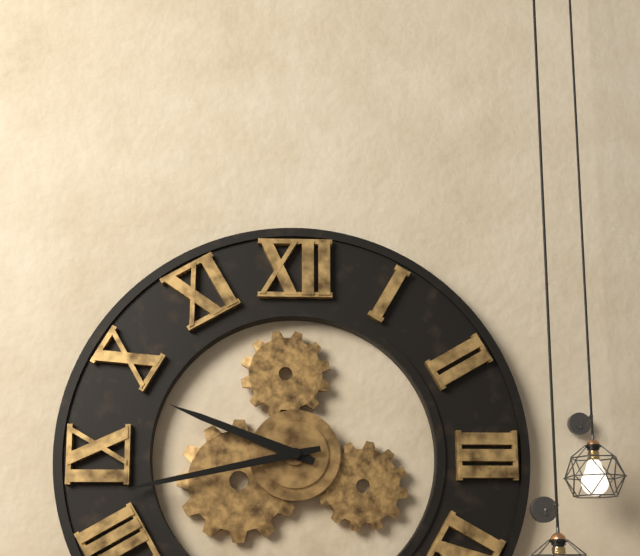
9:43
